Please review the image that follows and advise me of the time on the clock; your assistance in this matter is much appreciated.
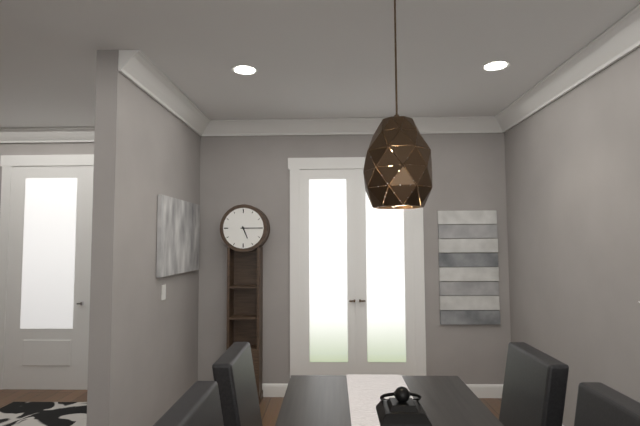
5:15
